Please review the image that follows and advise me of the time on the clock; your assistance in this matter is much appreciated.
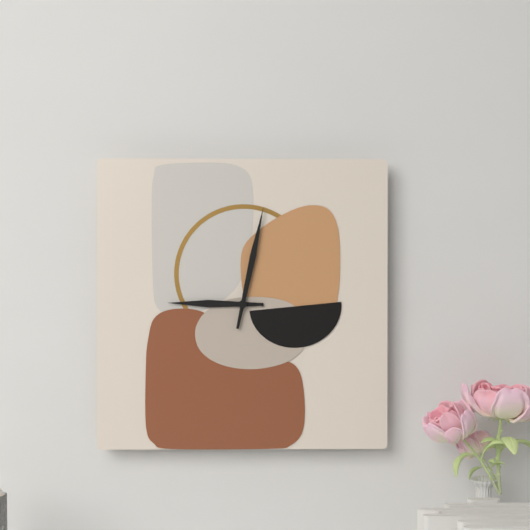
9:02
